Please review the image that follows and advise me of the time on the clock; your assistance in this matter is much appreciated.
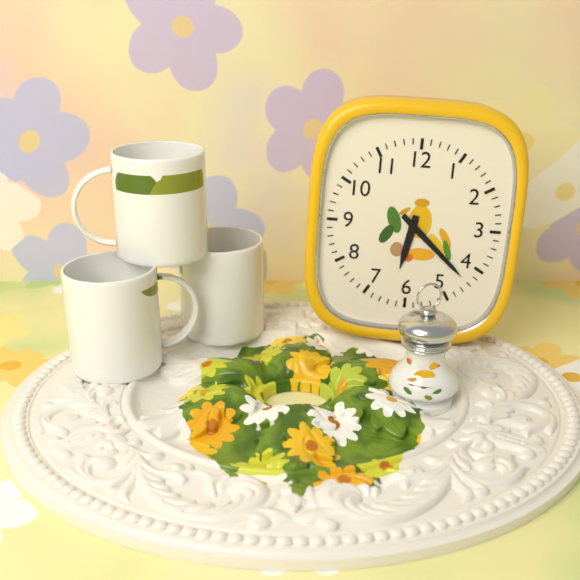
6:22
